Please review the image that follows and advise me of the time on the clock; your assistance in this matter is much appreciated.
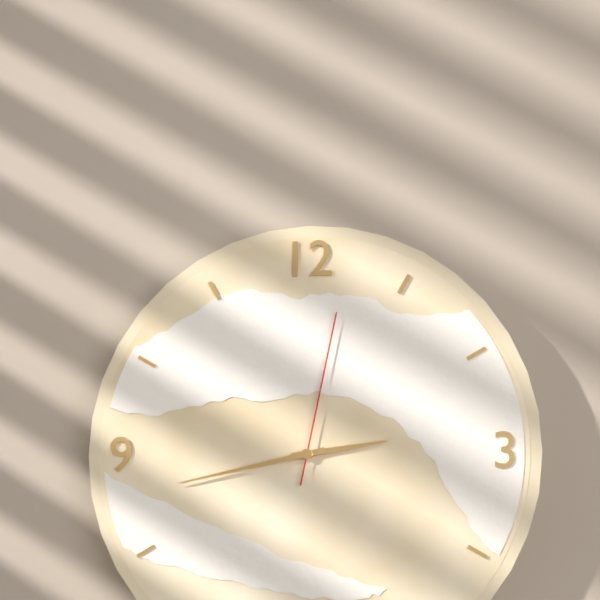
2:43:02
